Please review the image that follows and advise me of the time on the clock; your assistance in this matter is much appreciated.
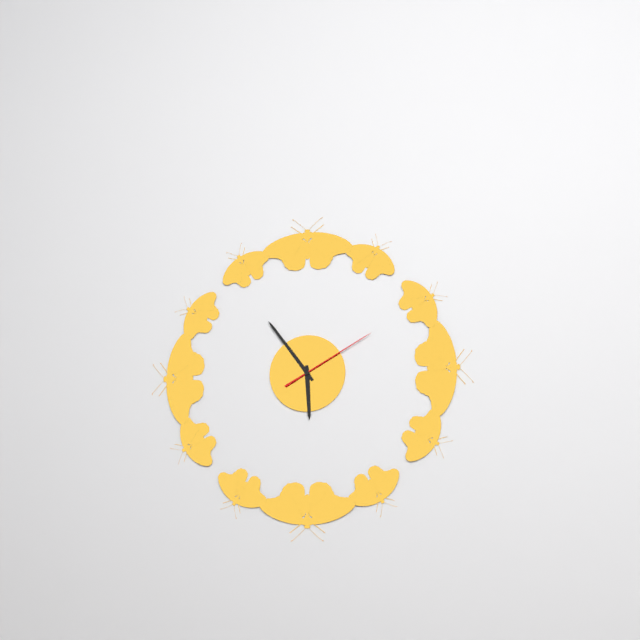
5:54:10
